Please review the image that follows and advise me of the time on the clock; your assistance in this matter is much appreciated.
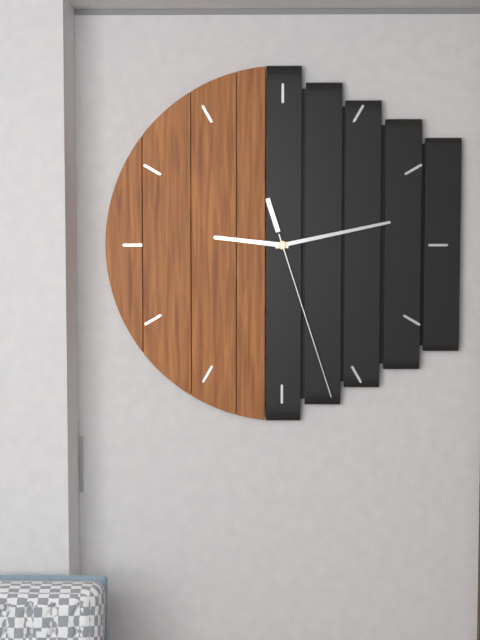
9:13:27
